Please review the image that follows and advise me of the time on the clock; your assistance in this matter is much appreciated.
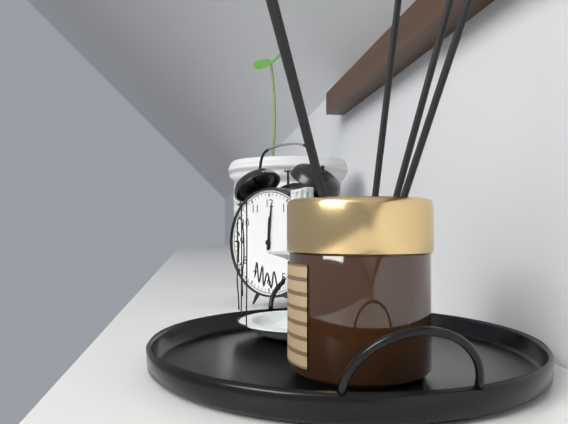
12:01
